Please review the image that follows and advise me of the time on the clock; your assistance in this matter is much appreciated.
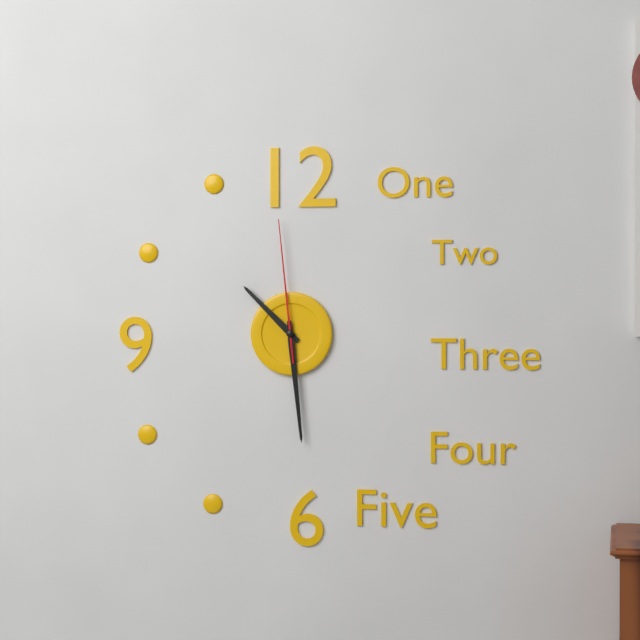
10:29:59
